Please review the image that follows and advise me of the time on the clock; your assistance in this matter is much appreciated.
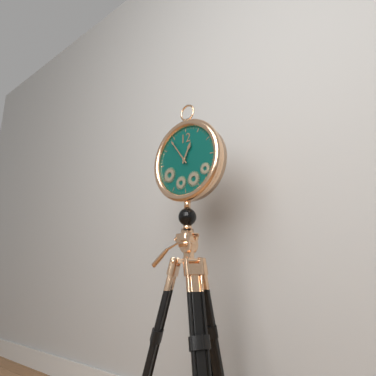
12:54
